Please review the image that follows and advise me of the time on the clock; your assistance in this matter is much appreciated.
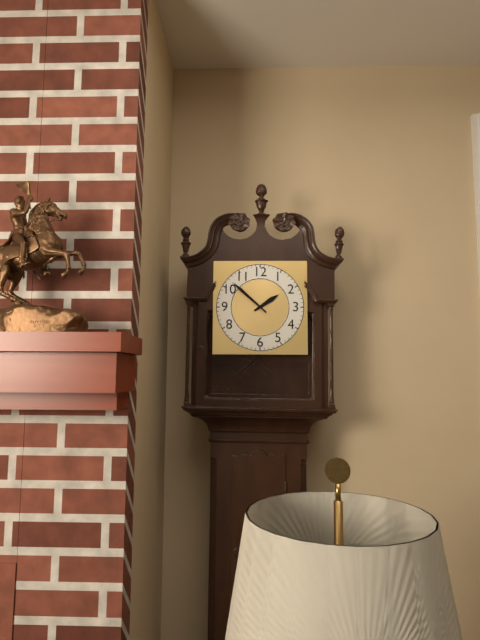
1:52
